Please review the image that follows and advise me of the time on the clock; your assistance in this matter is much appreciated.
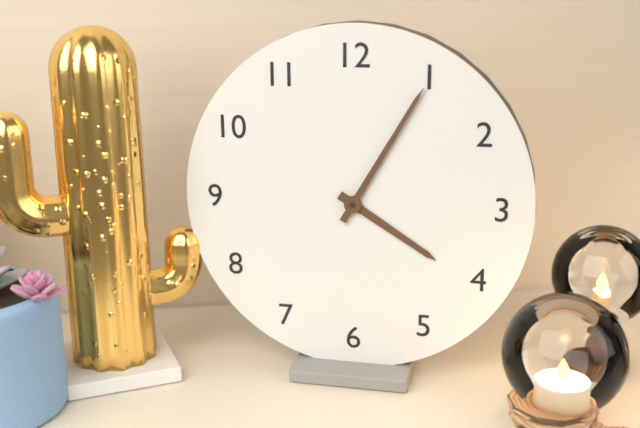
4:05
